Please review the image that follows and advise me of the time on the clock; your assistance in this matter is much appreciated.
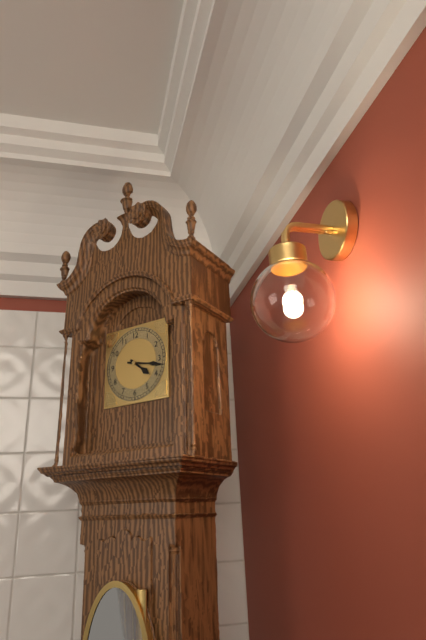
4:17
